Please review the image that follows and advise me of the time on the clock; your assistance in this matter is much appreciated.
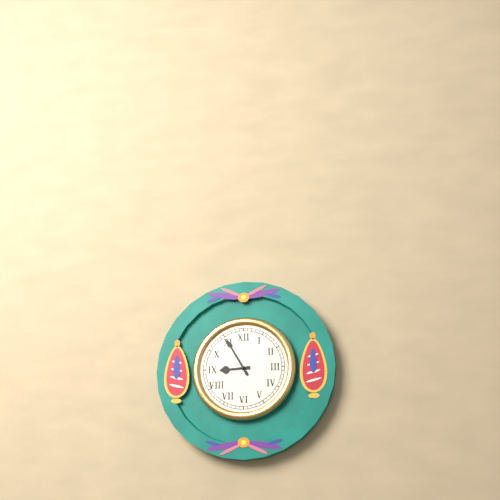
8:55
